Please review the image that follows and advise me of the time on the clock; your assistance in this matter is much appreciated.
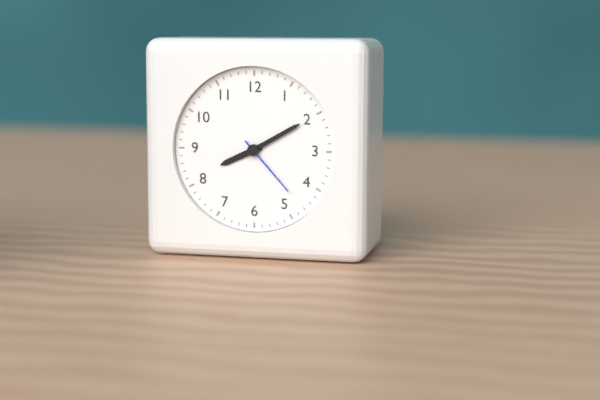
8:10:23
